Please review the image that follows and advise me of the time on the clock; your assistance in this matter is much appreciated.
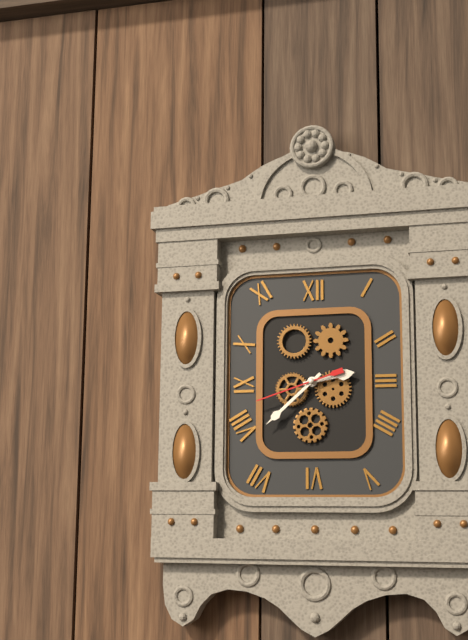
2:38:42
